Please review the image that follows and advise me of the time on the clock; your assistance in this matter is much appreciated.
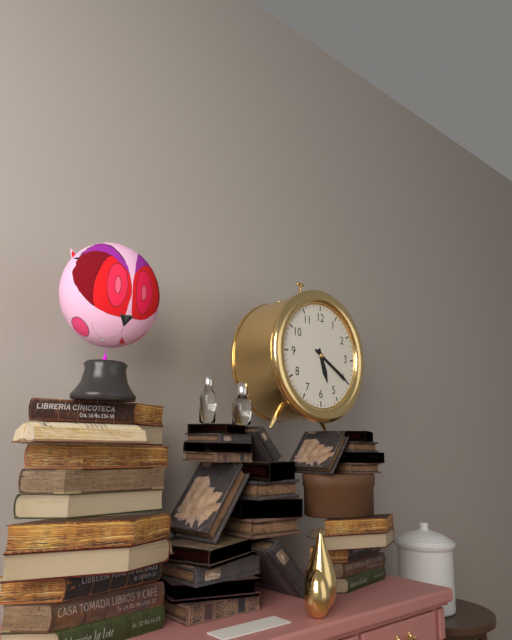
5:20
